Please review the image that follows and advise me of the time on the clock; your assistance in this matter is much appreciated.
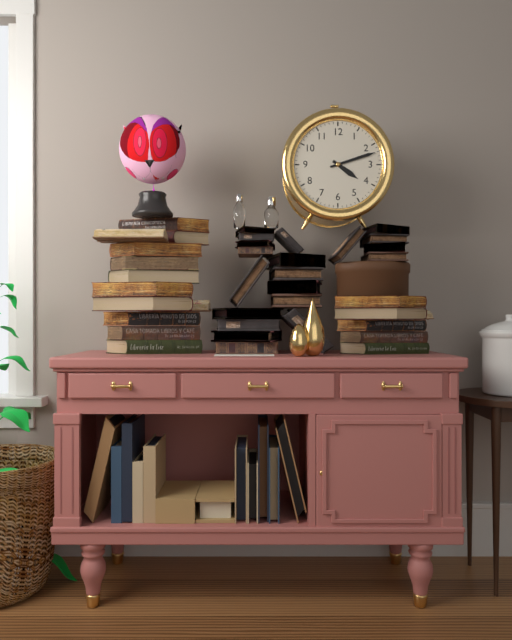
4:12
